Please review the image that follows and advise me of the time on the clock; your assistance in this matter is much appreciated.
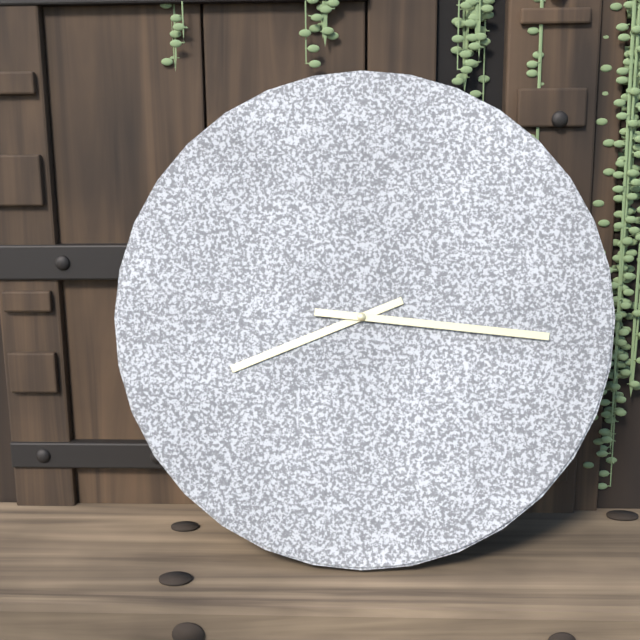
8:16
